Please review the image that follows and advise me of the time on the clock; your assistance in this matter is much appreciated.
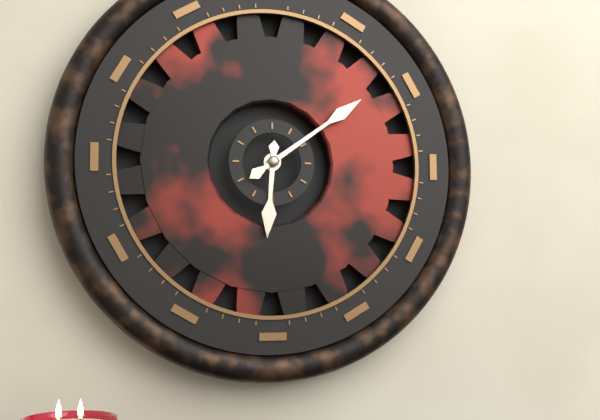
6:09
